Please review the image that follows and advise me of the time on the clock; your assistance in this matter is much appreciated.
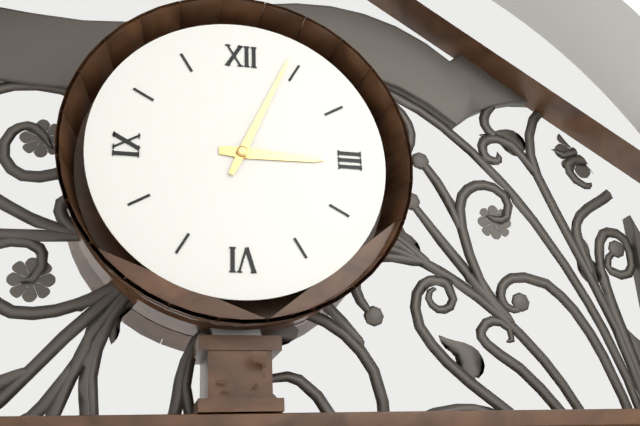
3:04
